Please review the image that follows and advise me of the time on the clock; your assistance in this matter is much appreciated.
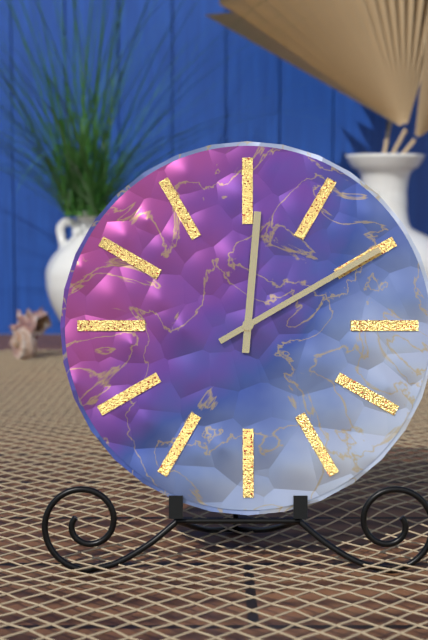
12:10
